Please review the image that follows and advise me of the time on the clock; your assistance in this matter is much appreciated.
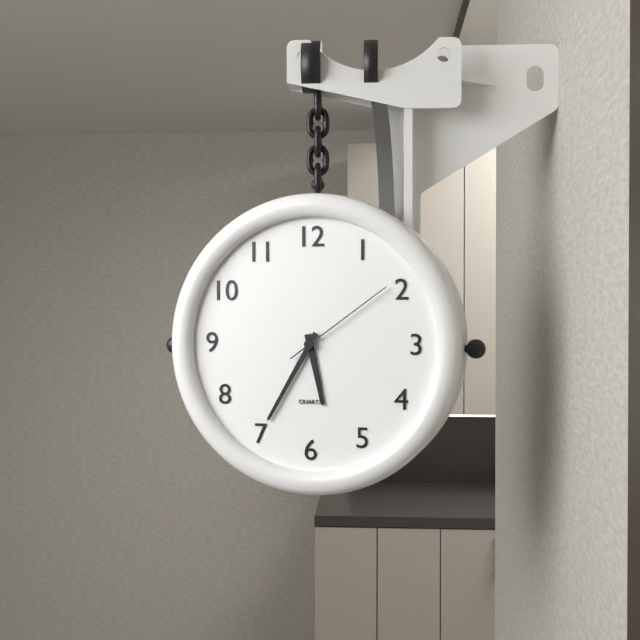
5:35:09
